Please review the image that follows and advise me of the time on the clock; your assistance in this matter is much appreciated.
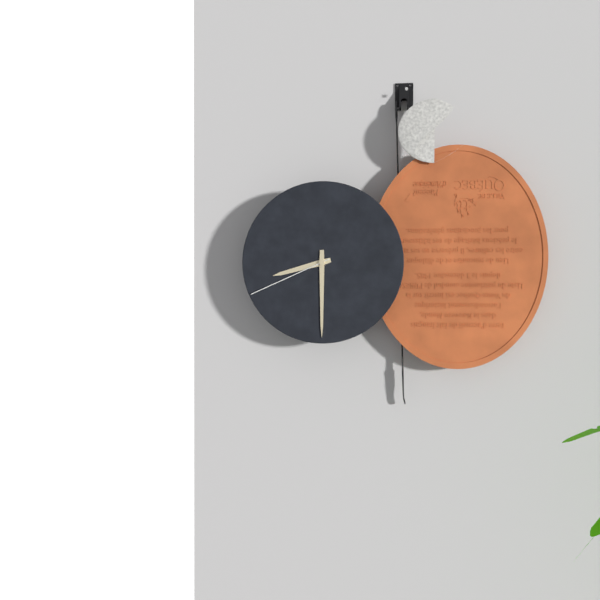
8:30:41
